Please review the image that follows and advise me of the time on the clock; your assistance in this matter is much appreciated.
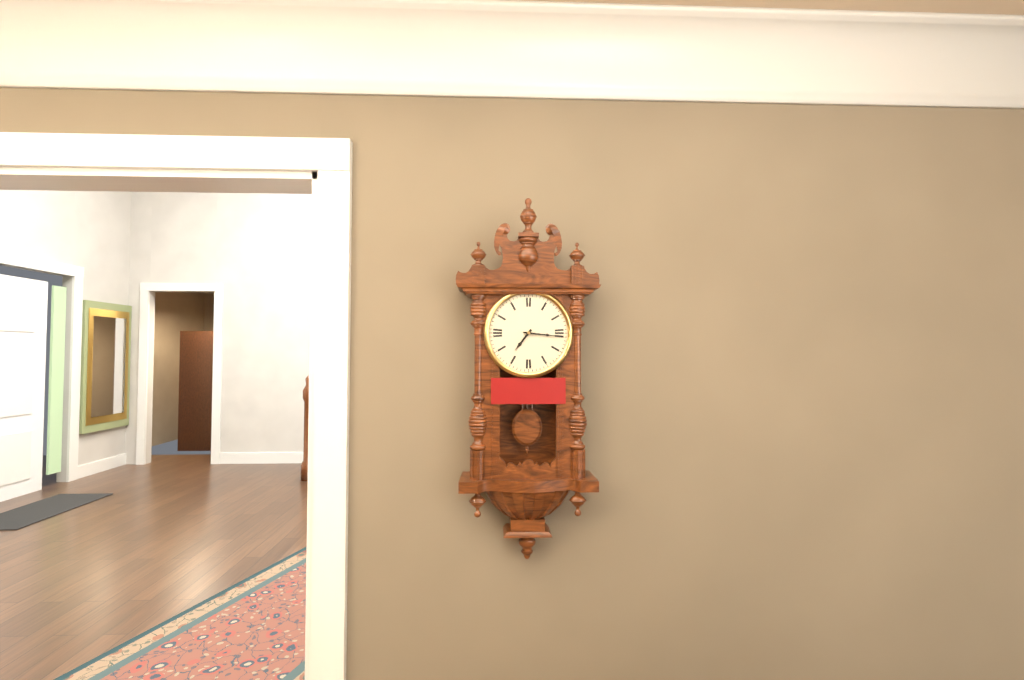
7:16
